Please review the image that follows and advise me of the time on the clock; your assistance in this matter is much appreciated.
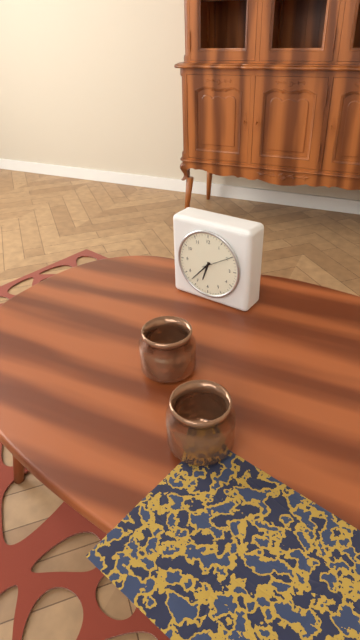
6:37
